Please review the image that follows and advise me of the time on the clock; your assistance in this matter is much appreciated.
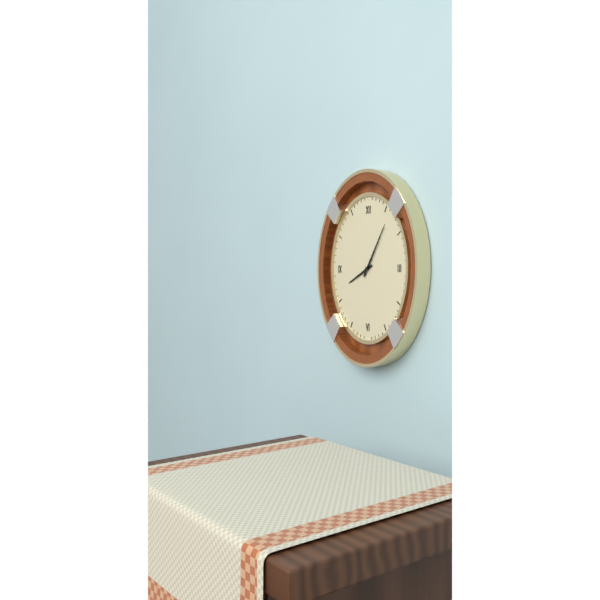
8:05
